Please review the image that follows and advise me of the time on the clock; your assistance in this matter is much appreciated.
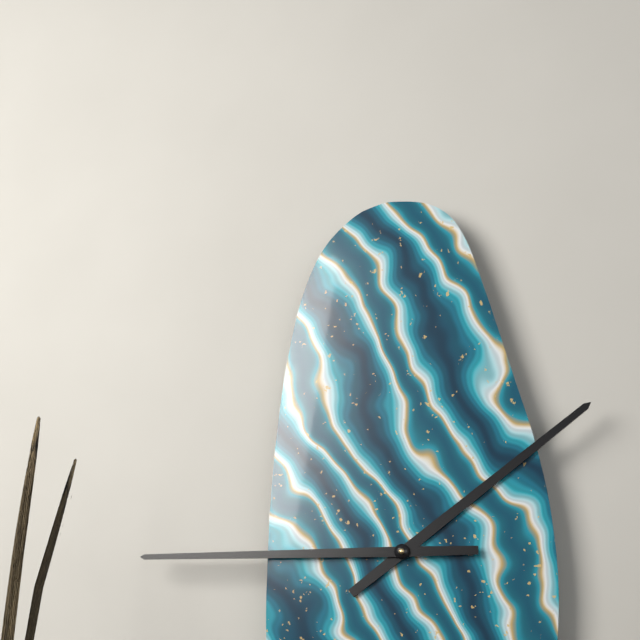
1:45
